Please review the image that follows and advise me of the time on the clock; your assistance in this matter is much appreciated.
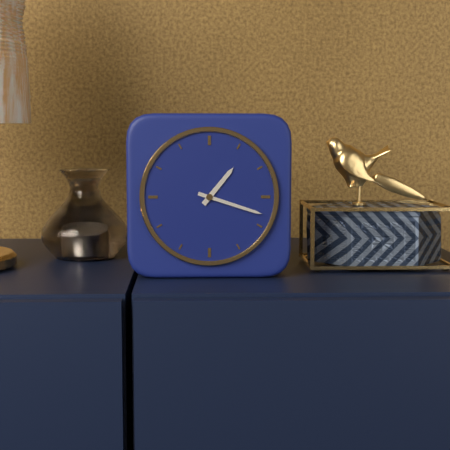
1:18
